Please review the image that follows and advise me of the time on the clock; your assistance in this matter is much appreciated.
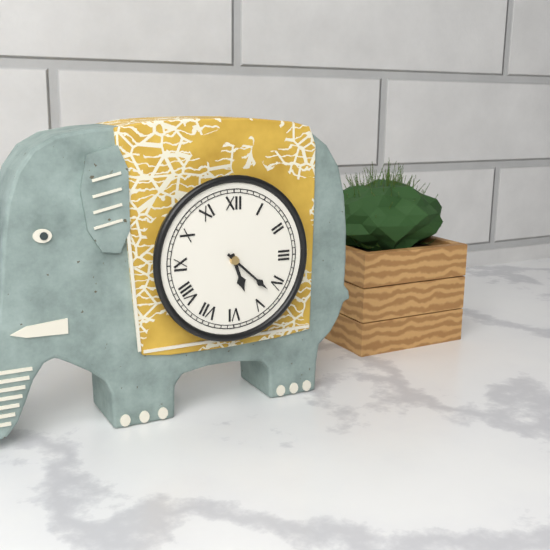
5:22
